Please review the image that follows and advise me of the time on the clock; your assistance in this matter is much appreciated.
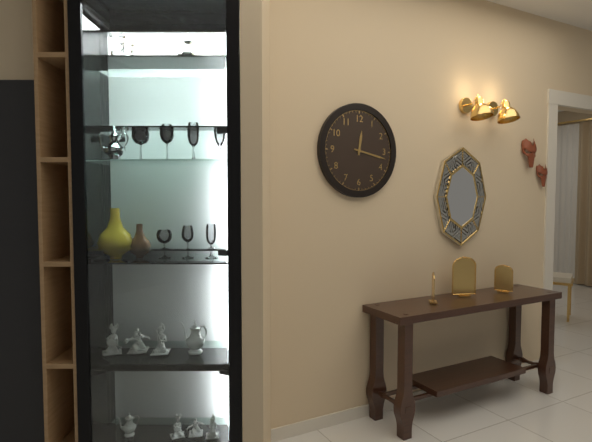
12:17
